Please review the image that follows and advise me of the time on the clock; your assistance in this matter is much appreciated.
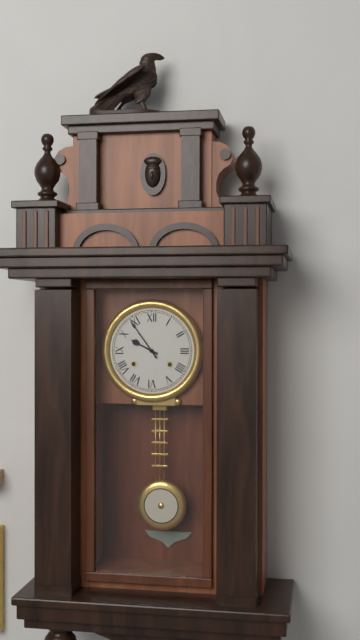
9:54
